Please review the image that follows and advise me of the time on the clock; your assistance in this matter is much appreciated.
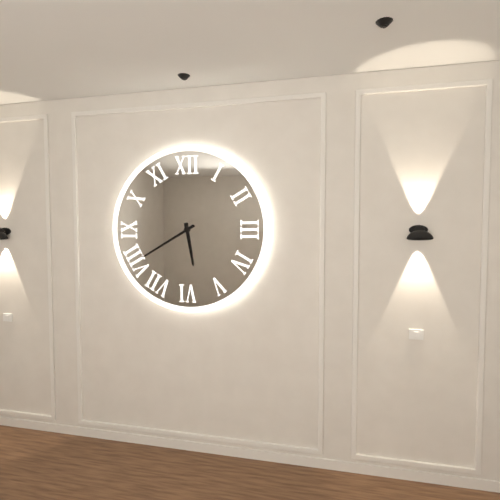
5:40
